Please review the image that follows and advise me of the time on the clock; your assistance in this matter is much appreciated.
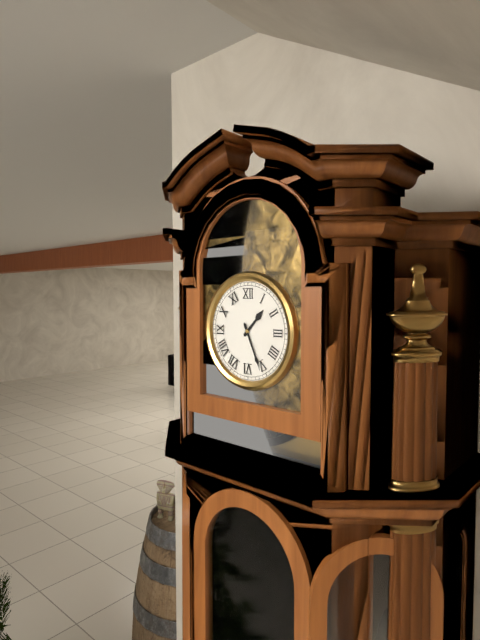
1:26
